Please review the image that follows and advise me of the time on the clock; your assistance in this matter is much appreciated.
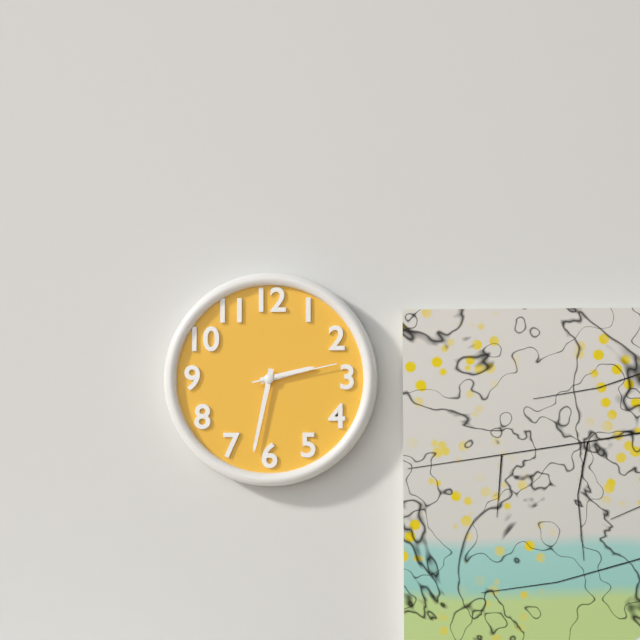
2:32:13
